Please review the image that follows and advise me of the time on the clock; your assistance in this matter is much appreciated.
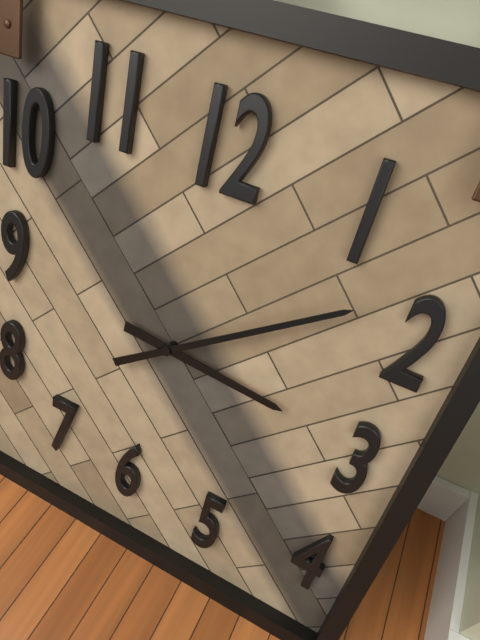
3:09
